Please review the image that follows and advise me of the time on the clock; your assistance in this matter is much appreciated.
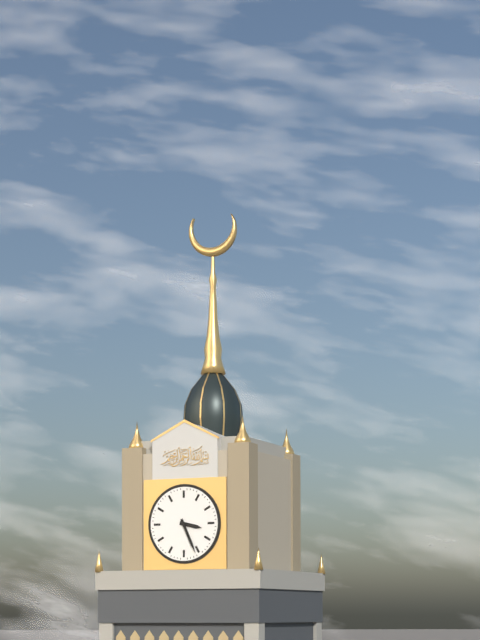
3:26
